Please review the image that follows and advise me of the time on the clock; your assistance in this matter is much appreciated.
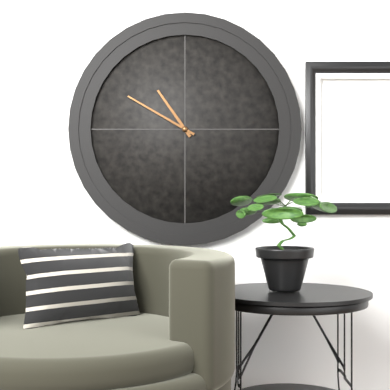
10:50
